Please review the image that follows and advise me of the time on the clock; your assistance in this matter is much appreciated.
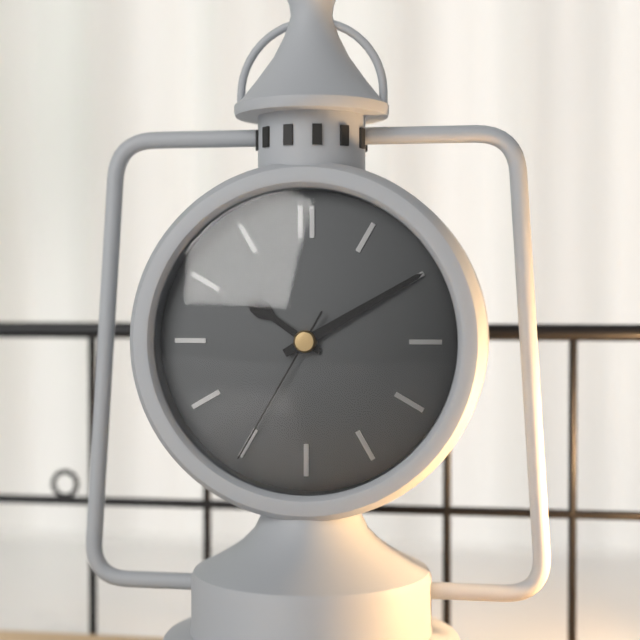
10:10:35
